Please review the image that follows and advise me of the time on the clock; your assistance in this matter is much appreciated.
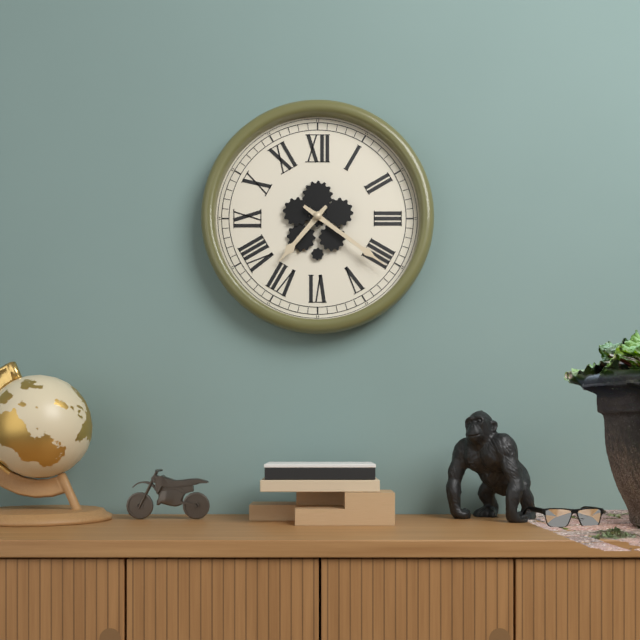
7:21
